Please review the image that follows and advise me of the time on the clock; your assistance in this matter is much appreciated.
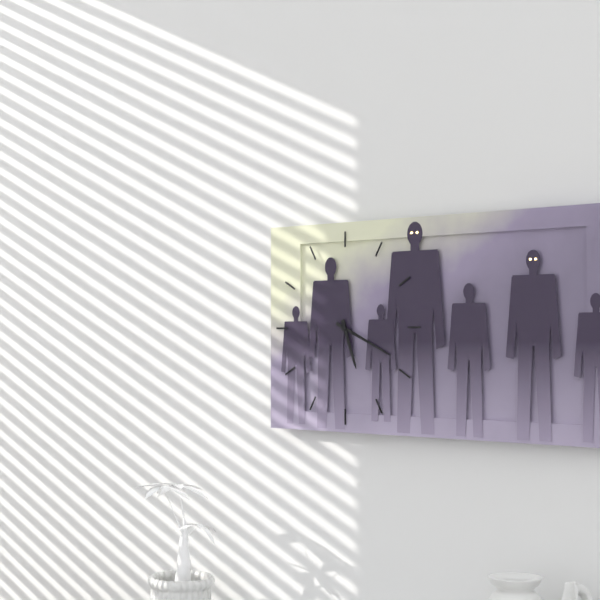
5:19
